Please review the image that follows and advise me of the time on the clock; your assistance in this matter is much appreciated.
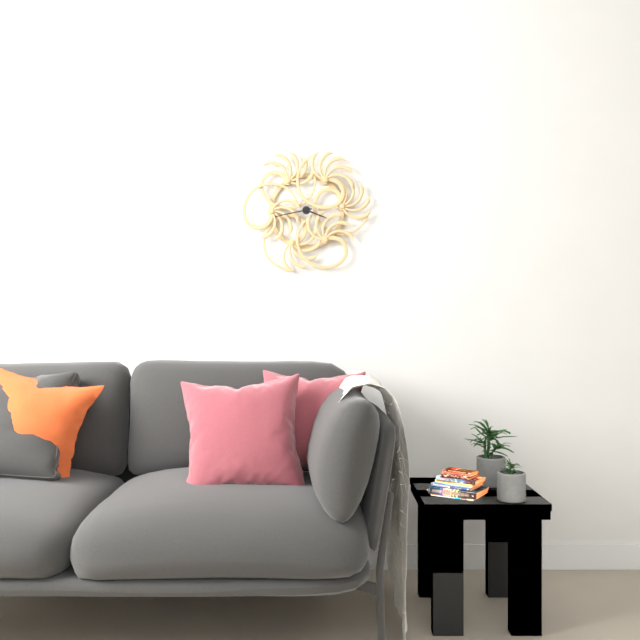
3:43
